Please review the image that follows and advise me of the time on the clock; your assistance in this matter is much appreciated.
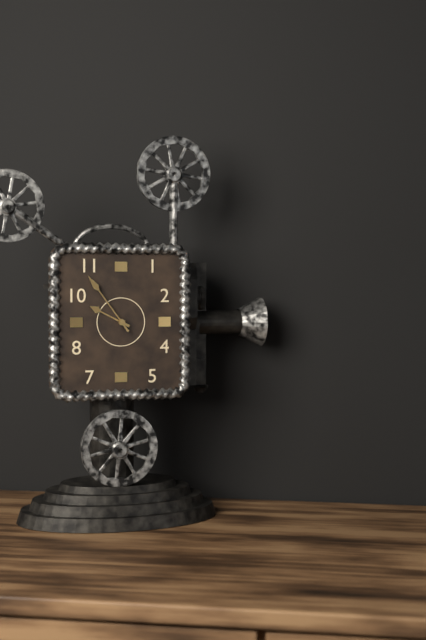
9:54
